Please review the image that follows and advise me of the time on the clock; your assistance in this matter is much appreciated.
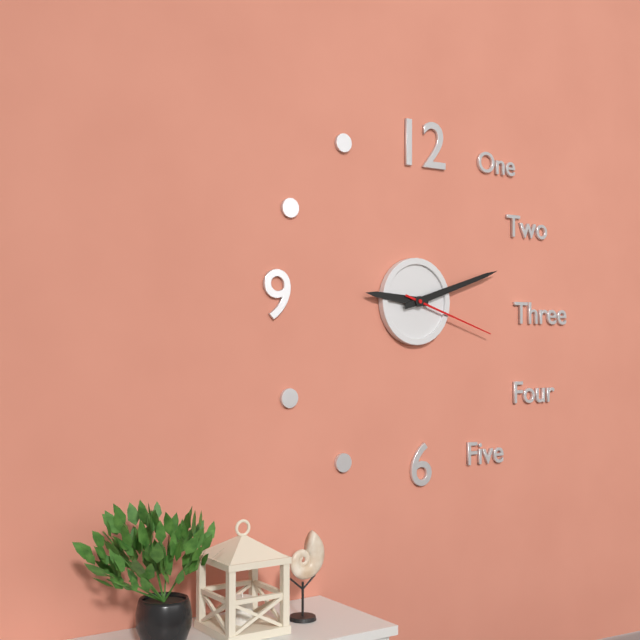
9:12:18
